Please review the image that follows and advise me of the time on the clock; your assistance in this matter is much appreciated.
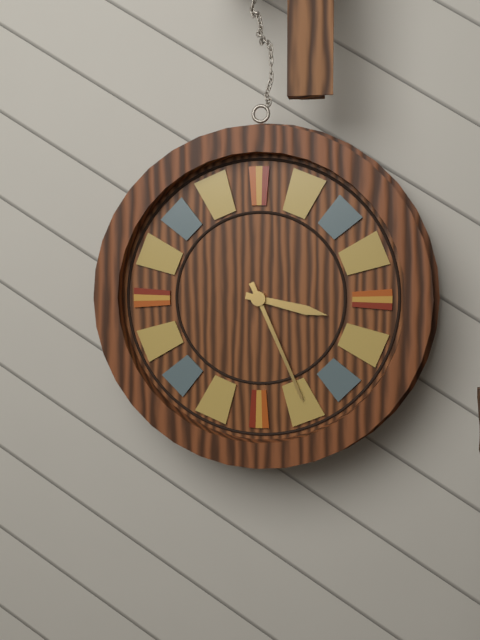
3:26
